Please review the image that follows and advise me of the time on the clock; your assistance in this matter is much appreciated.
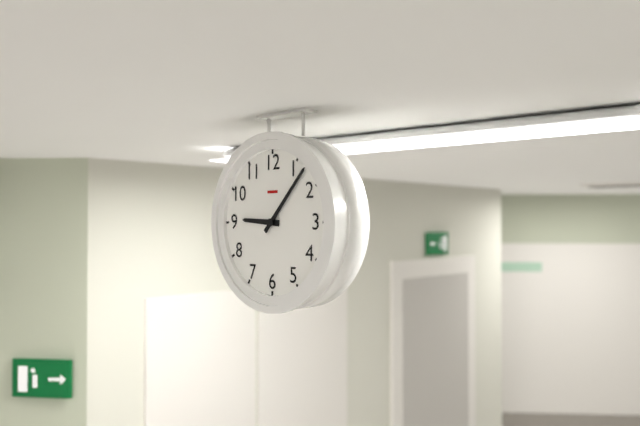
9:07
